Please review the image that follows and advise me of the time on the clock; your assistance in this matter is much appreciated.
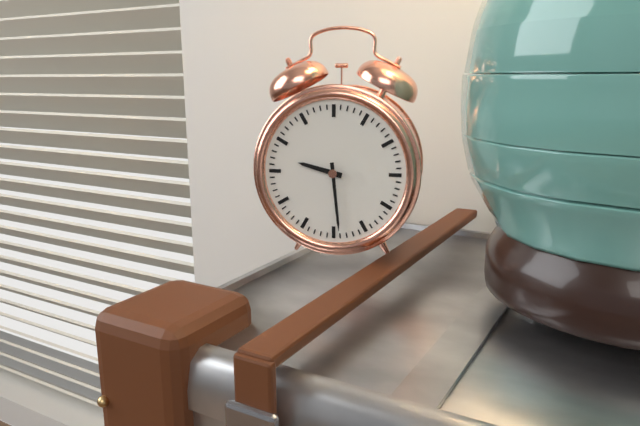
9:29
